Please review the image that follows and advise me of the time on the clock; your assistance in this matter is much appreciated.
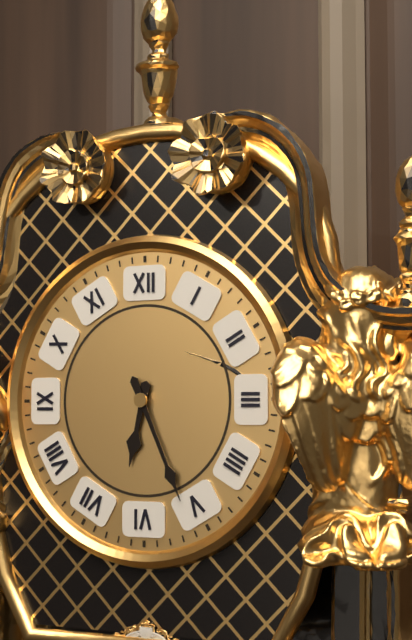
6:26
